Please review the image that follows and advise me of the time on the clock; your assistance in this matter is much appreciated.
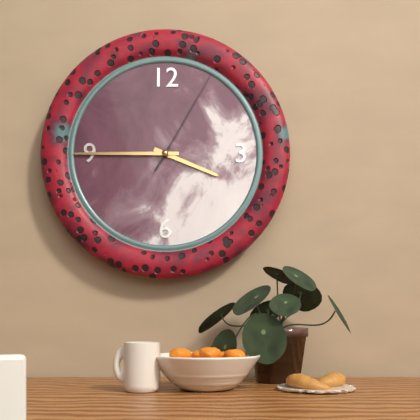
3:45:05
